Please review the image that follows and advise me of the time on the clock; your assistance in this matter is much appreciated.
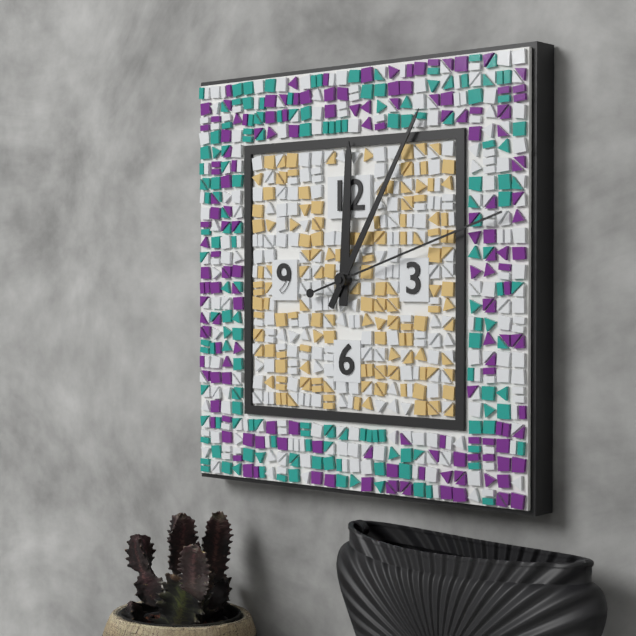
12:05:12
